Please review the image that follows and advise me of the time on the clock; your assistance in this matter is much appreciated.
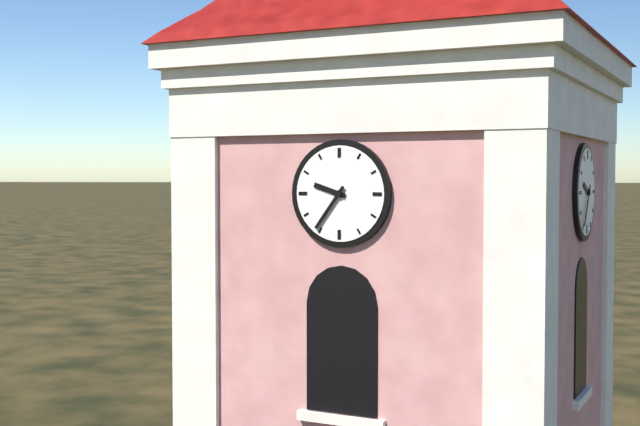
9:36
